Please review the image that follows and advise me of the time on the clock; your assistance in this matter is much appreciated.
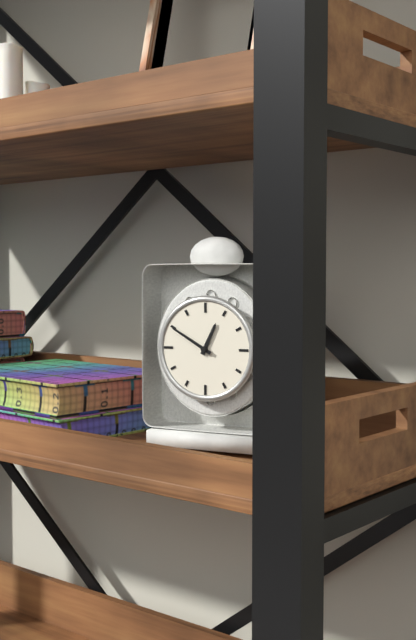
12:50
